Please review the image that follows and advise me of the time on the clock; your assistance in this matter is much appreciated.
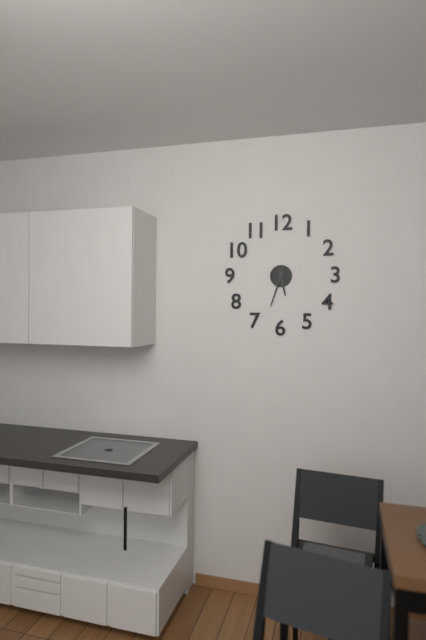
5:33
